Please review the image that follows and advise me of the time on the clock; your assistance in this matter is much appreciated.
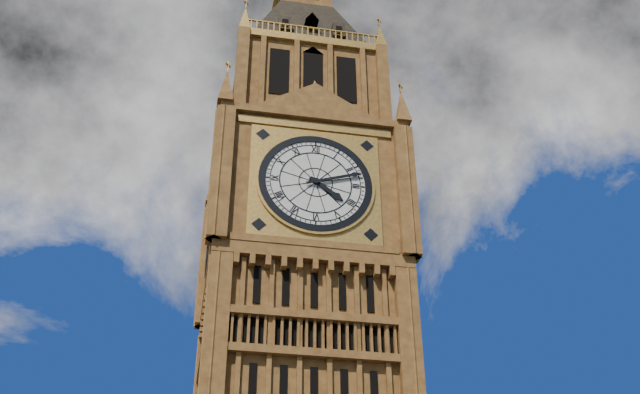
4:12
